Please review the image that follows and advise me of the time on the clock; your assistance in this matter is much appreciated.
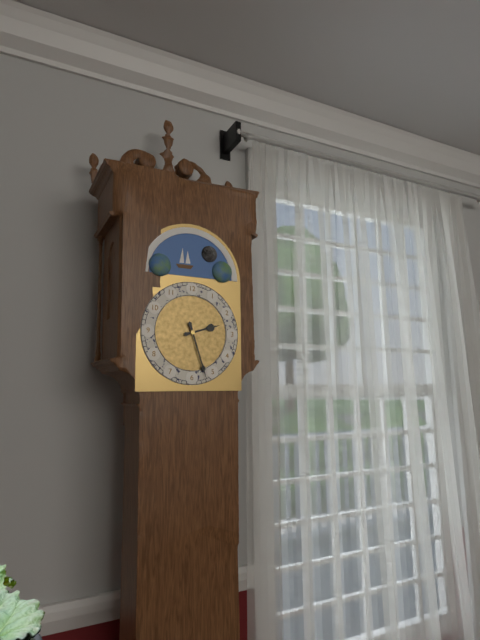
2:27
